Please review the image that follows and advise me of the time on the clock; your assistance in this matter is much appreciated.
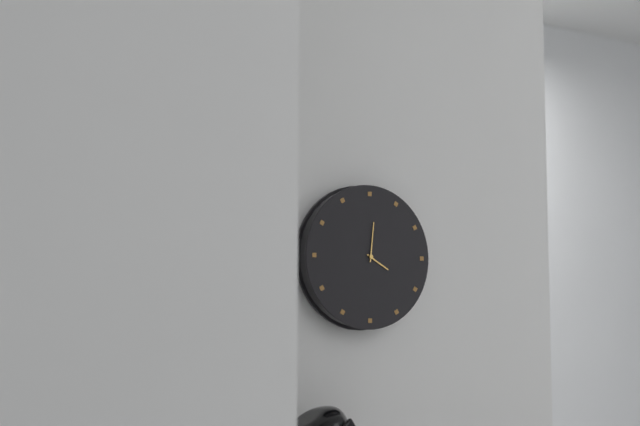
4:01
